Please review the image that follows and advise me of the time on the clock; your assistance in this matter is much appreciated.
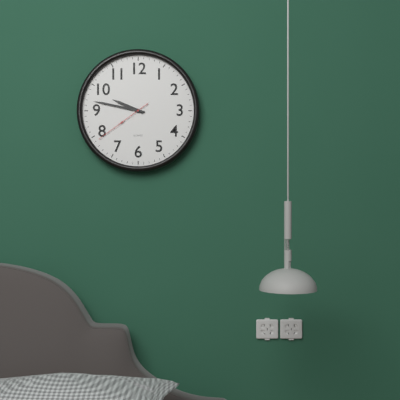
9:47:39
